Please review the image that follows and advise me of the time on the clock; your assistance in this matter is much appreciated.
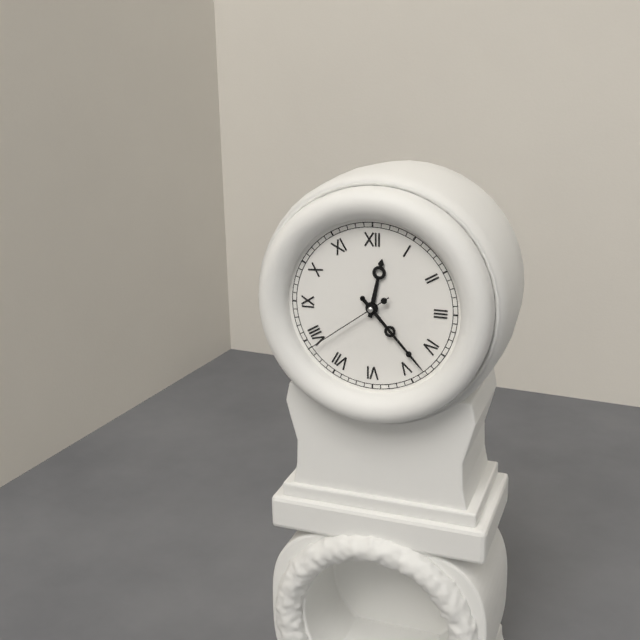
12:23:39
